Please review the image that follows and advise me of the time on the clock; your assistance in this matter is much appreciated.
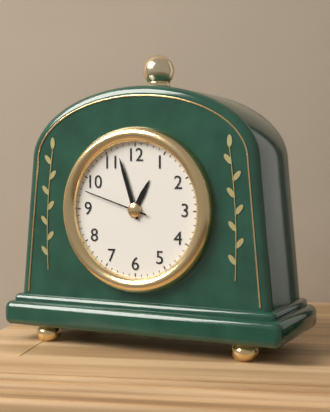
12:57:48
